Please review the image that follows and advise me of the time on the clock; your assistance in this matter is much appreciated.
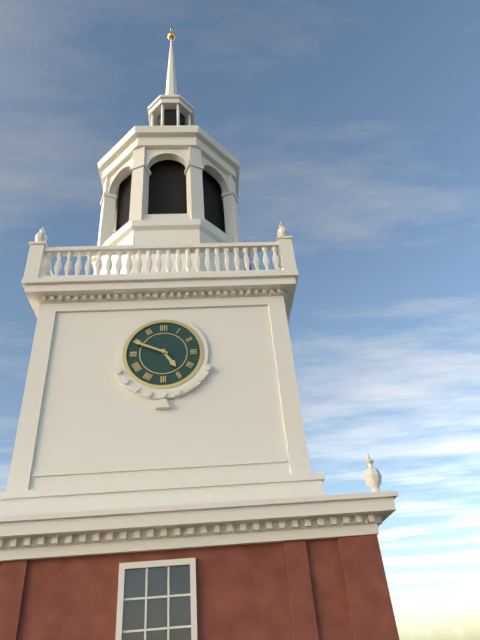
4:49
